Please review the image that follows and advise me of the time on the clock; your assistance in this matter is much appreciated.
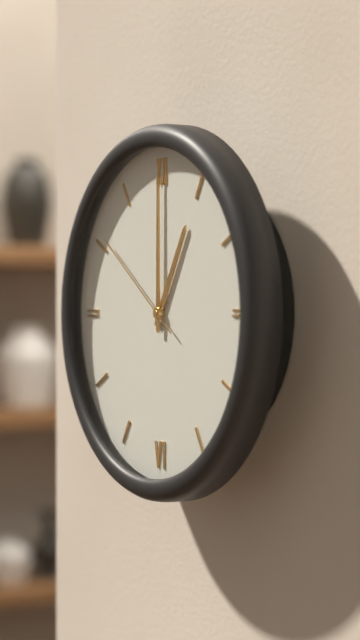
1:00:51
